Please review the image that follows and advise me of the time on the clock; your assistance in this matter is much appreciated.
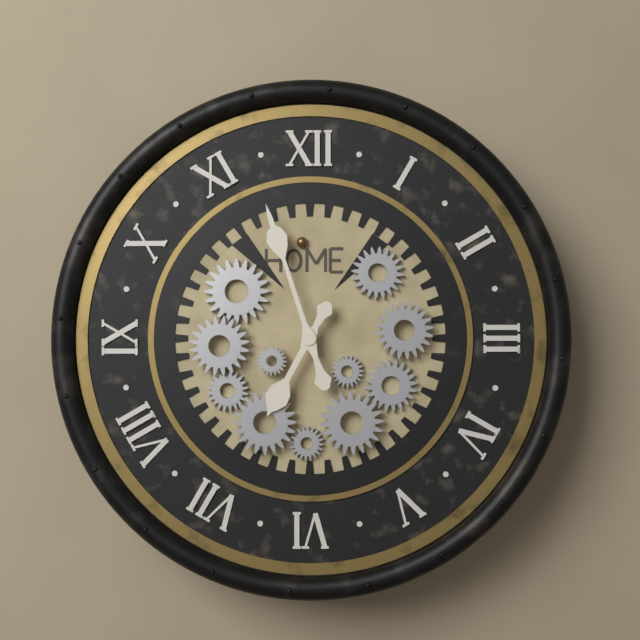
6:57
